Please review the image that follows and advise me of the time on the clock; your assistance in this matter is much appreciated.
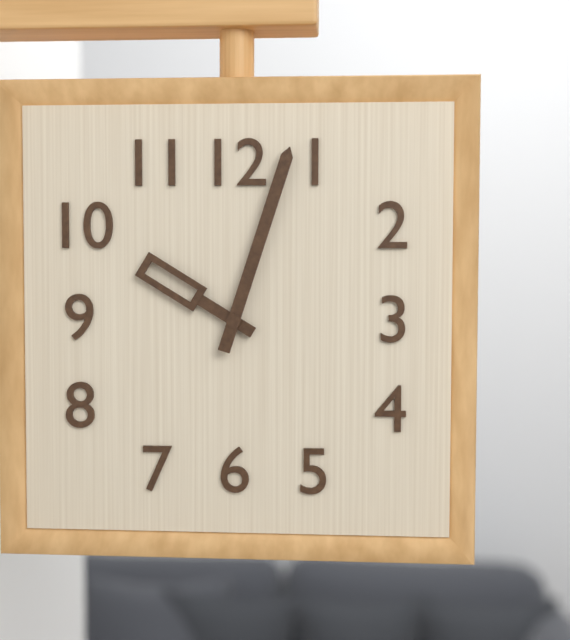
10:03
